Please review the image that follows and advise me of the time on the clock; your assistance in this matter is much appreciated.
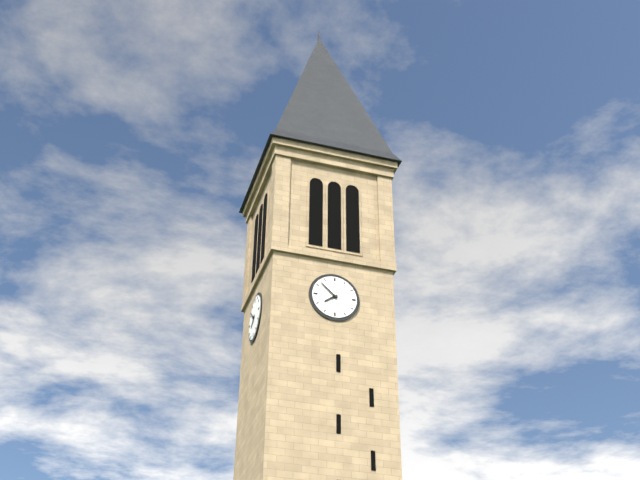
7:52
